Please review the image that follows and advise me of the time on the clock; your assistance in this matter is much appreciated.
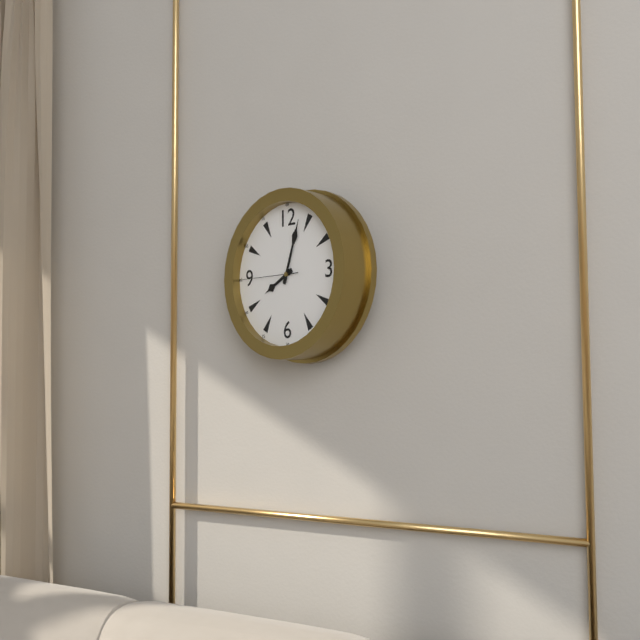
8:03:45
